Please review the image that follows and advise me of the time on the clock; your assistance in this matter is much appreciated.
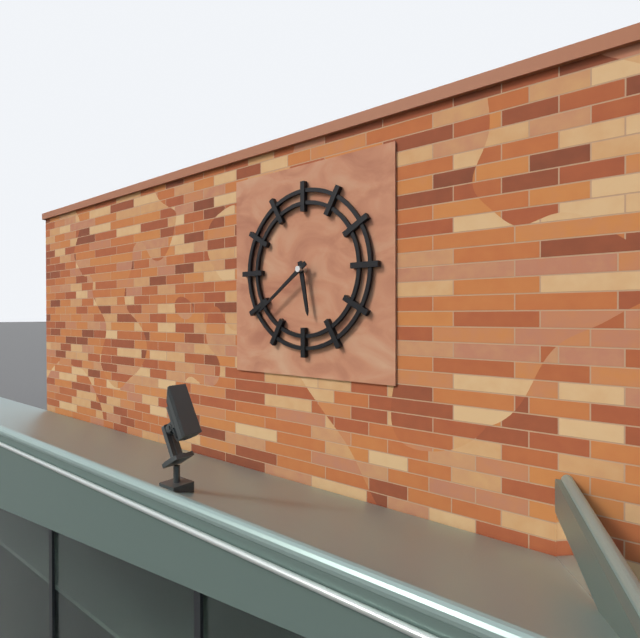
5:39
